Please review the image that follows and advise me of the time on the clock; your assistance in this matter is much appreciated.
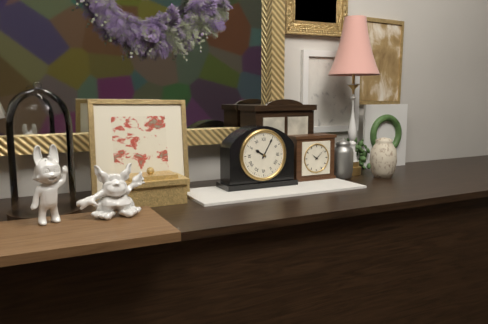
10:05
